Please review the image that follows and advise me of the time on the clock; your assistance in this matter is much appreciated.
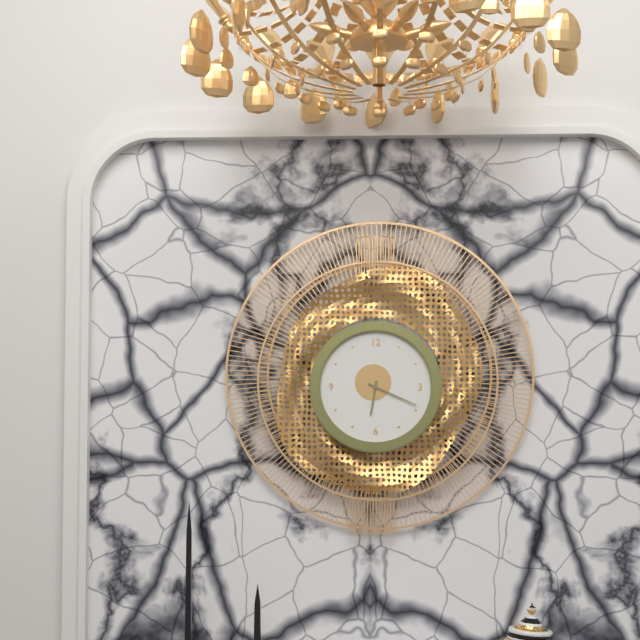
6:19
